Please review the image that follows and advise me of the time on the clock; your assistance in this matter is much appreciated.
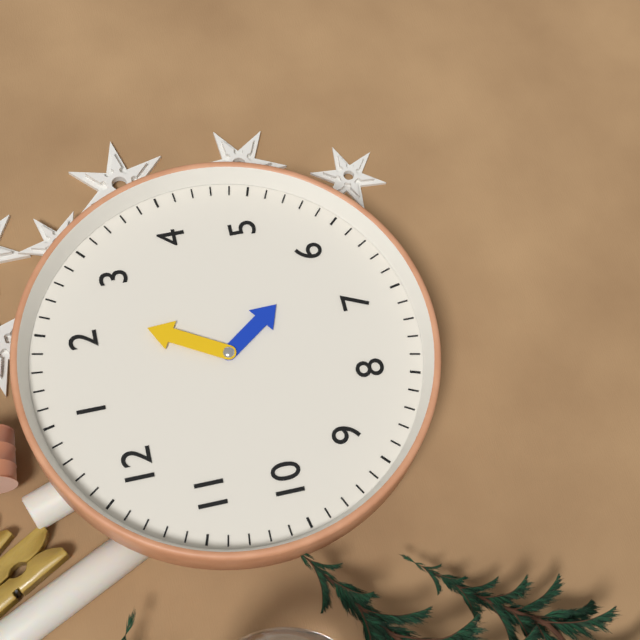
6:12
